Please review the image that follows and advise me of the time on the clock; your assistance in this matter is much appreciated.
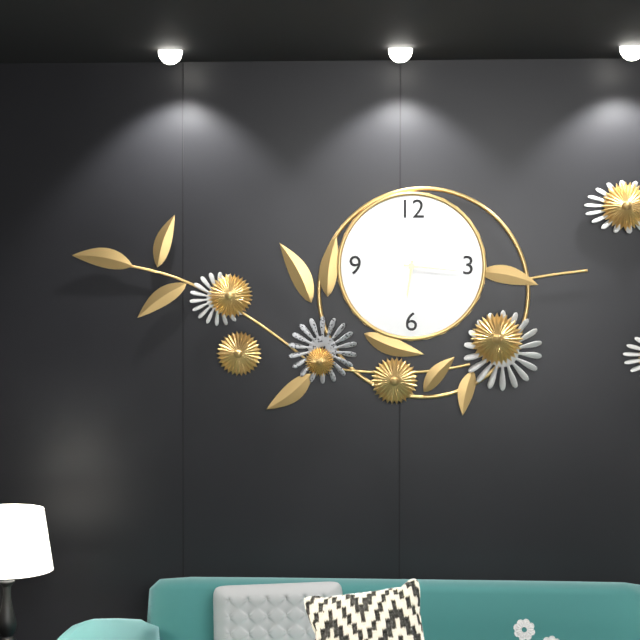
6:16
